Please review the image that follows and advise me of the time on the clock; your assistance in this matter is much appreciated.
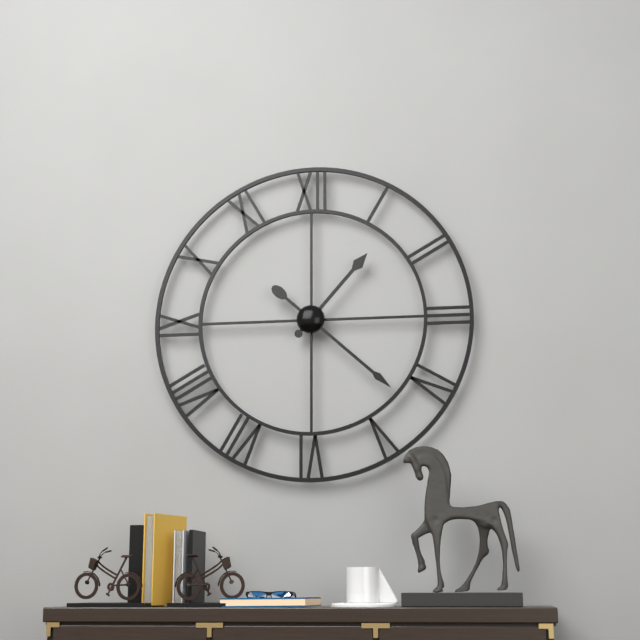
1:22
